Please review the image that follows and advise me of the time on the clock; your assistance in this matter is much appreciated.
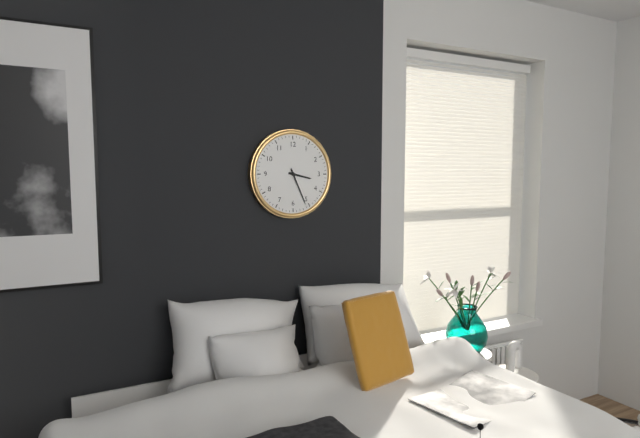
3:26
